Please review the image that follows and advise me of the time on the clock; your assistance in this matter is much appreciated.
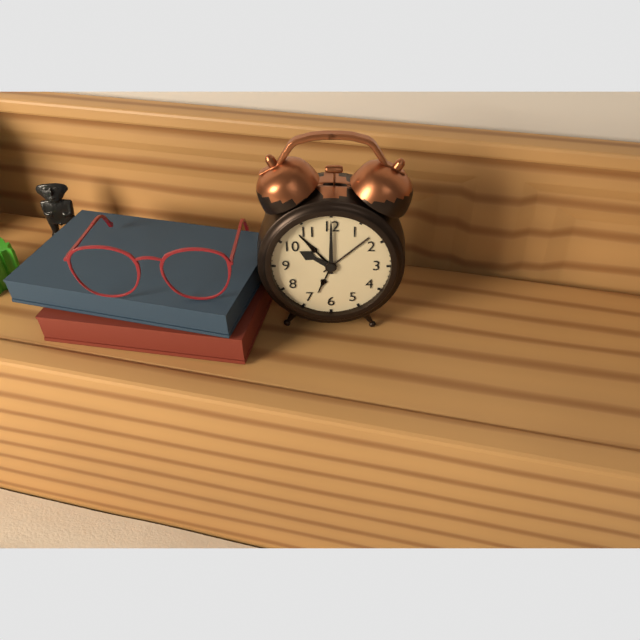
10:00
